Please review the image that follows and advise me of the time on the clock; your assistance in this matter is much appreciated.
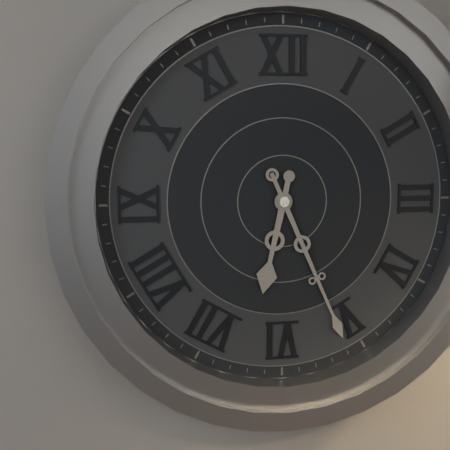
6:26
